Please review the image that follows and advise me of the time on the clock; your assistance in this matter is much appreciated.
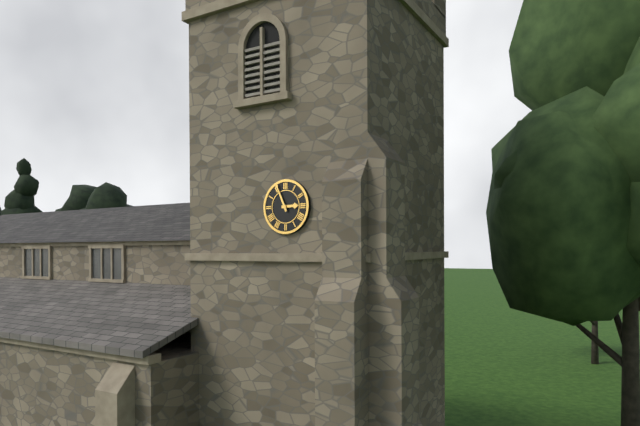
2:56
